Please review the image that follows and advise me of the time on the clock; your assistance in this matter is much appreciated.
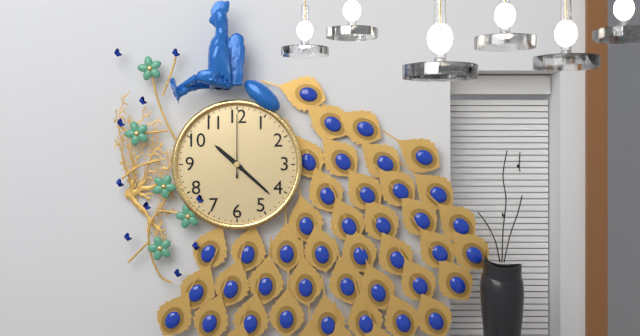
10:22:00
